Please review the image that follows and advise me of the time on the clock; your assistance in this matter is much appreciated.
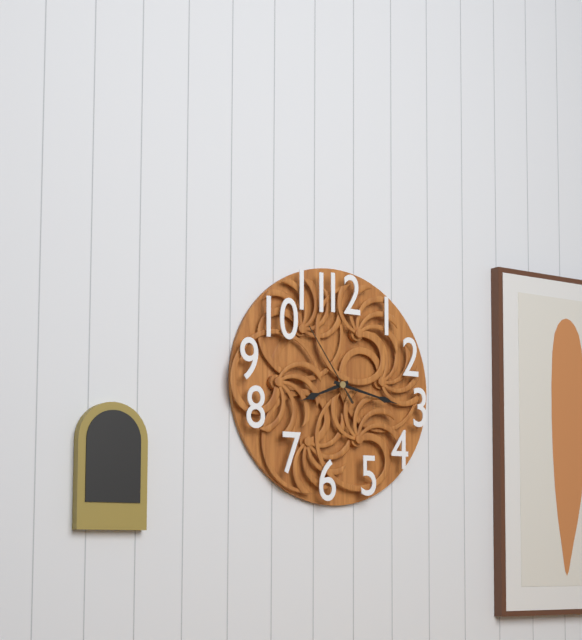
8:17:54
